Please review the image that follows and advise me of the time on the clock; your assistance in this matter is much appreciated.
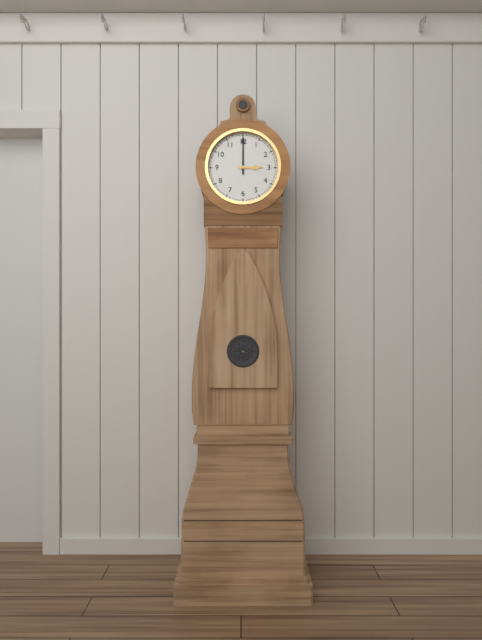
3:00
